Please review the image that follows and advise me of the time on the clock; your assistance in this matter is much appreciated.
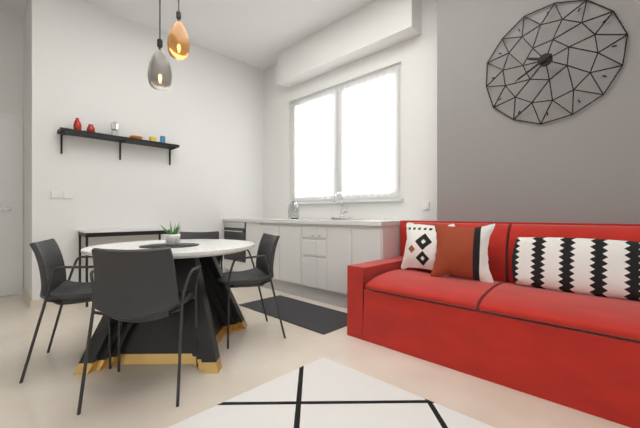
9:40
